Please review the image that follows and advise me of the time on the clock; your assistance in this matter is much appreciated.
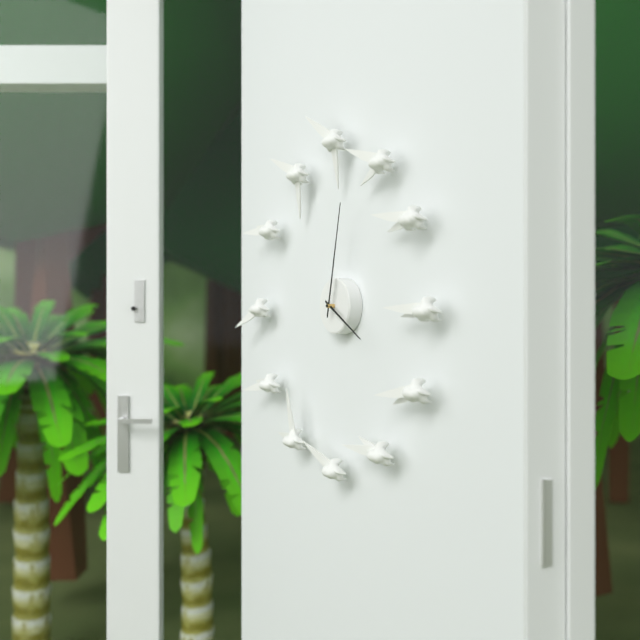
4:02
